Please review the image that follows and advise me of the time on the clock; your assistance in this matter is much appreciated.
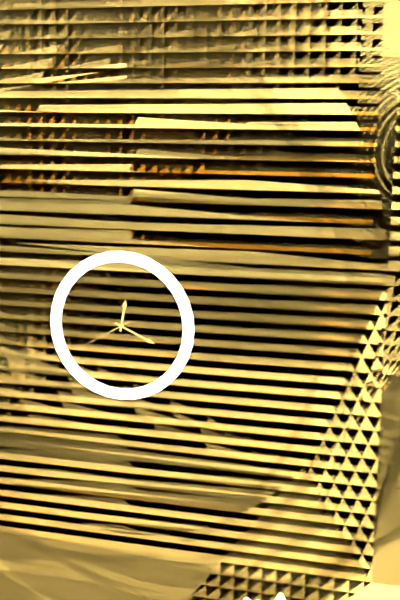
12:19:40
